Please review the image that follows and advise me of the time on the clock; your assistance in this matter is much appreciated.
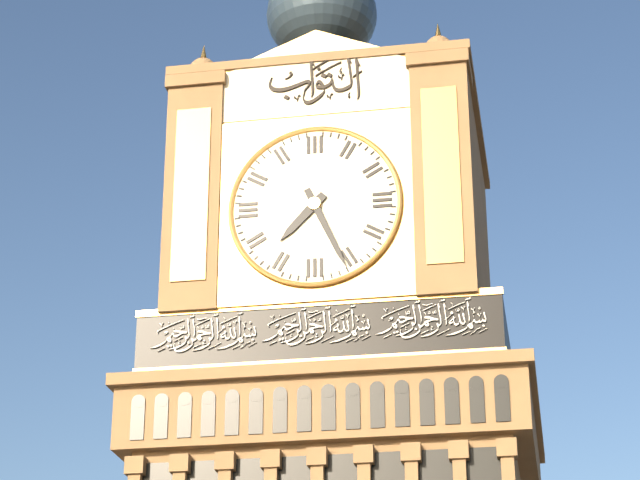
7:26
